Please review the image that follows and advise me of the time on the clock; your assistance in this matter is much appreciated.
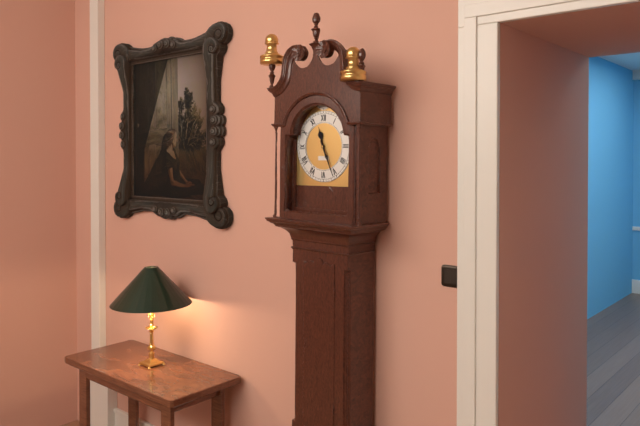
11:26
